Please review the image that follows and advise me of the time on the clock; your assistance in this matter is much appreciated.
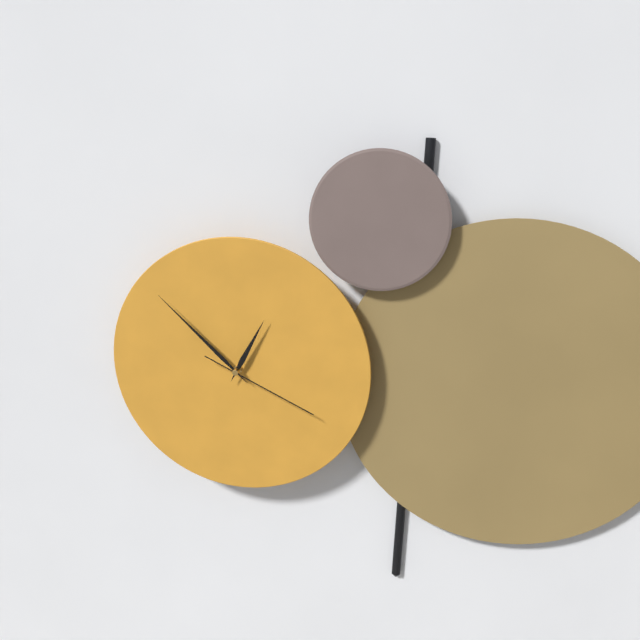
12:52:19
